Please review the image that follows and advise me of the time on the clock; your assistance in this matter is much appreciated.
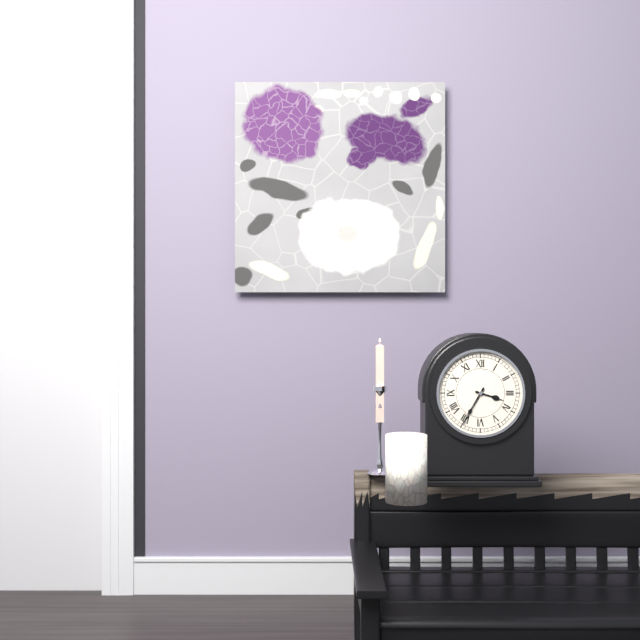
3:35
